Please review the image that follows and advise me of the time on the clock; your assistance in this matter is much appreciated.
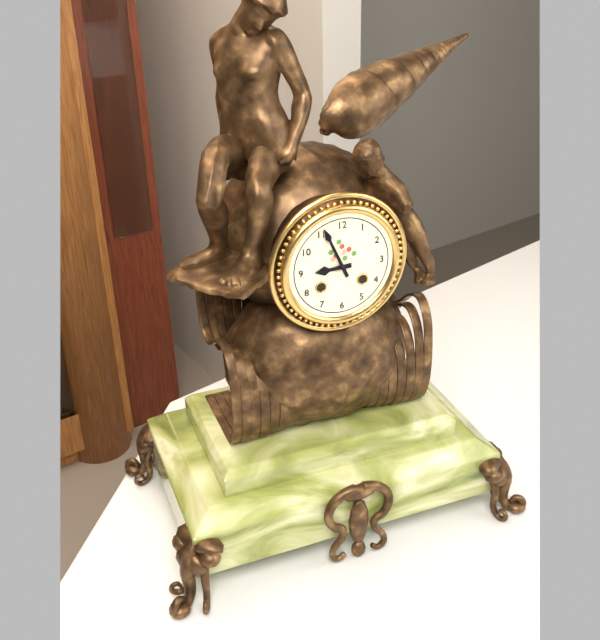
8:56
